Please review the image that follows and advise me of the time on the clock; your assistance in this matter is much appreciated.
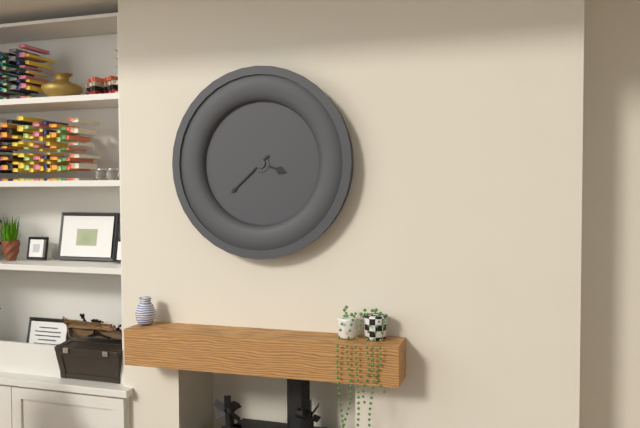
3:38
